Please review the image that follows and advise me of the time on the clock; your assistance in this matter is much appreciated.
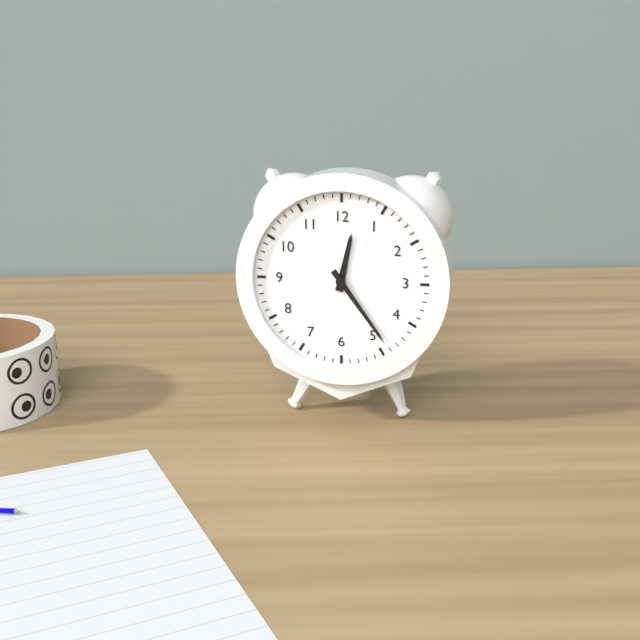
12:24
